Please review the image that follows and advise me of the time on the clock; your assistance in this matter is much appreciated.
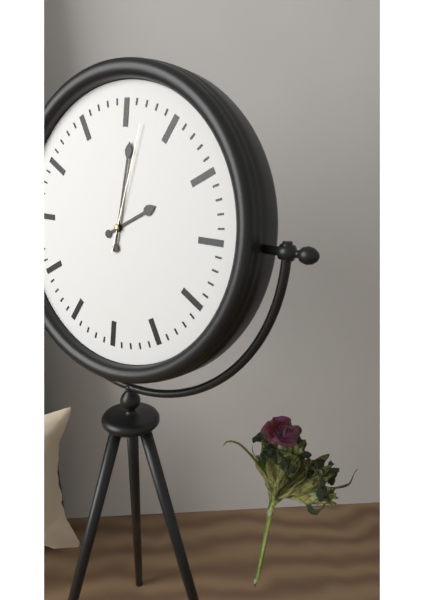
2:01:02
